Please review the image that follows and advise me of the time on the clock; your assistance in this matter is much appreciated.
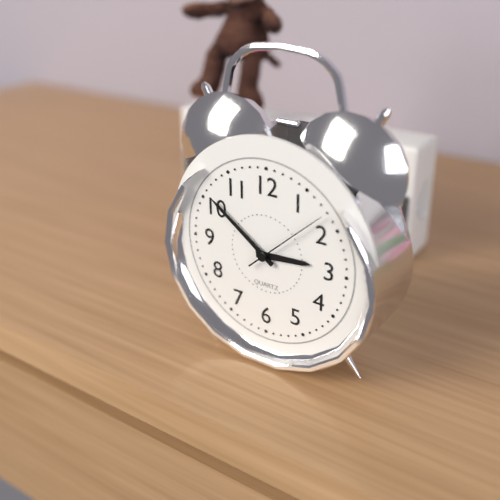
2:51:08
